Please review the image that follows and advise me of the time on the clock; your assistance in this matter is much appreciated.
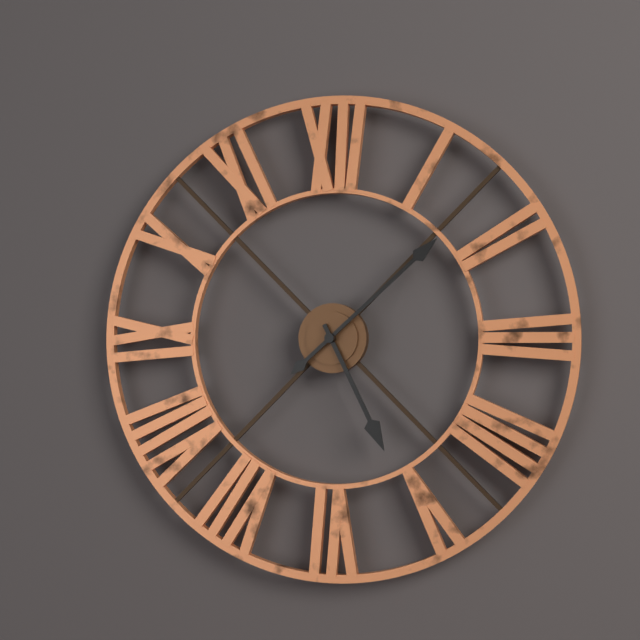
5:08
